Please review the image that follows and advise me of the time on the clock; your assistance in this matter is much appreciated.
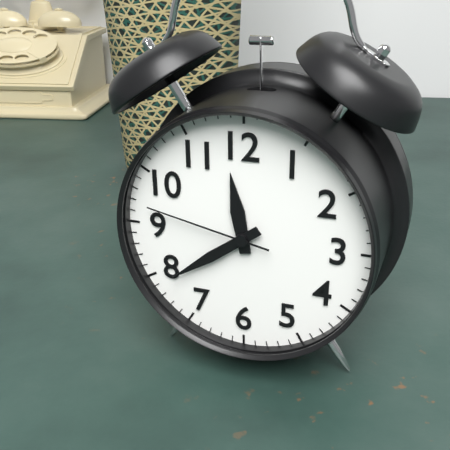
11:39:47
